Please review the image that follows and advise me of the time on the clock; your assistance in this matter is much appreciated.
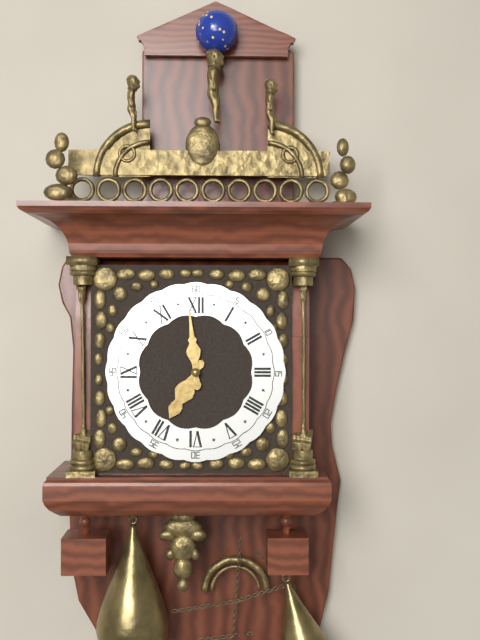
6:59
